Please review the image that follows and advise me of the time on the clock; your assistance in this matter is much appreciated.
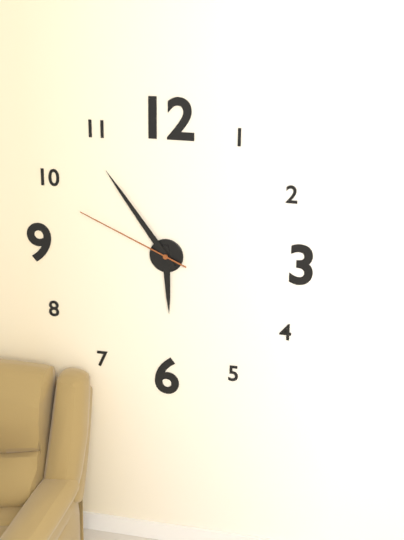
5:54:49
